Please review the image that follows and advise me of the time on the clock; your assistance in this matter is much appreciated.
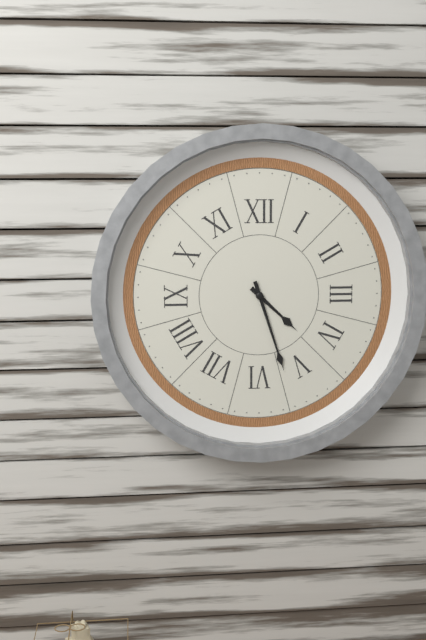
4:27
